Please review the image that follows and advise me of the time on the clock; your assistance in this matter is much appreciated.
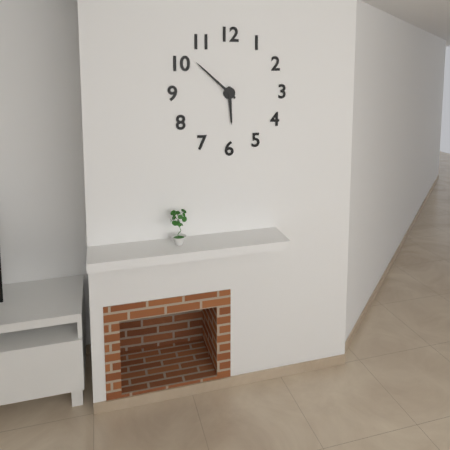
5:52
